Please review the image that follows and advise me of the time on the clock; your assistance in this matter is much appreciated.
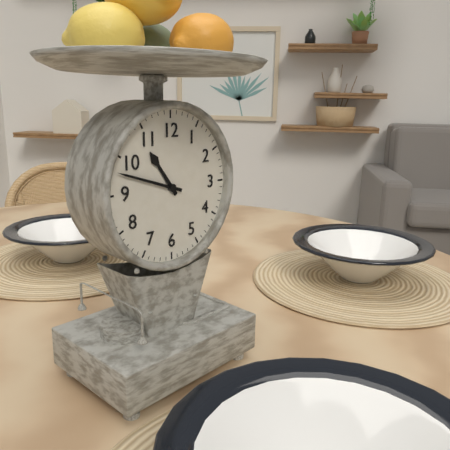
10:48
